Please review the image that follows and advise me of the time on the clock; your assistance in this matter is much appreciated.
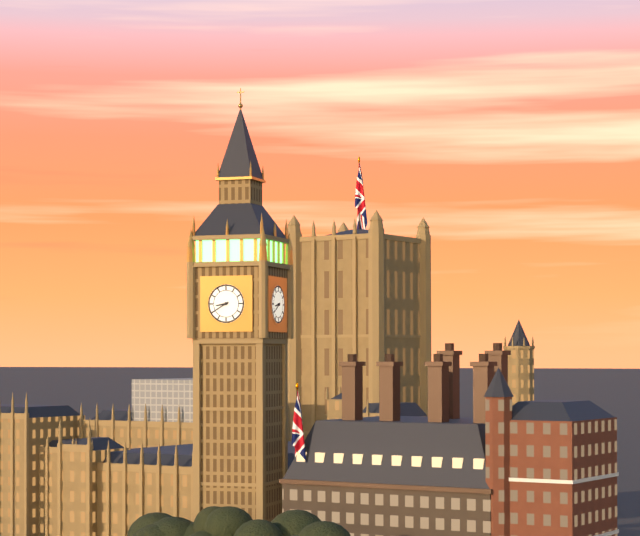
8:40
